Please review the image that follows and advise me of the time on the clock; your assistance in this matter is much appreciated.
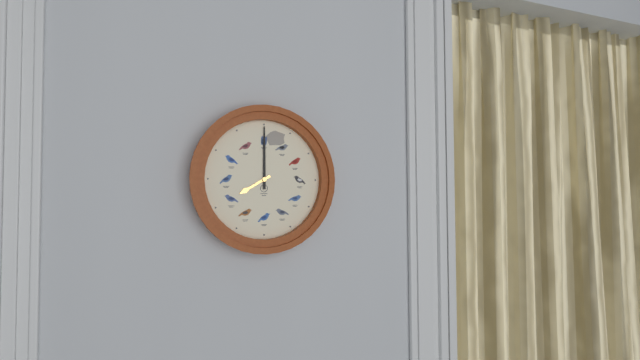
8:00
